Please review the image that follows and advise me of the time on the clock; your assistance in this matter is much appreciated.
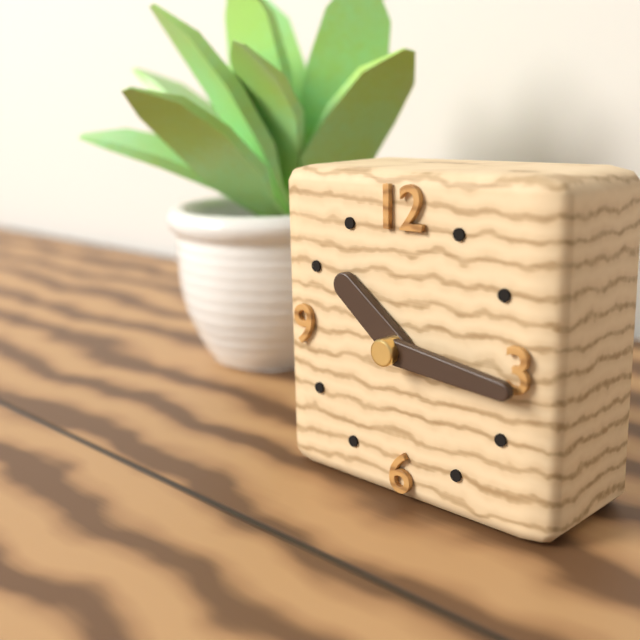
10:16
